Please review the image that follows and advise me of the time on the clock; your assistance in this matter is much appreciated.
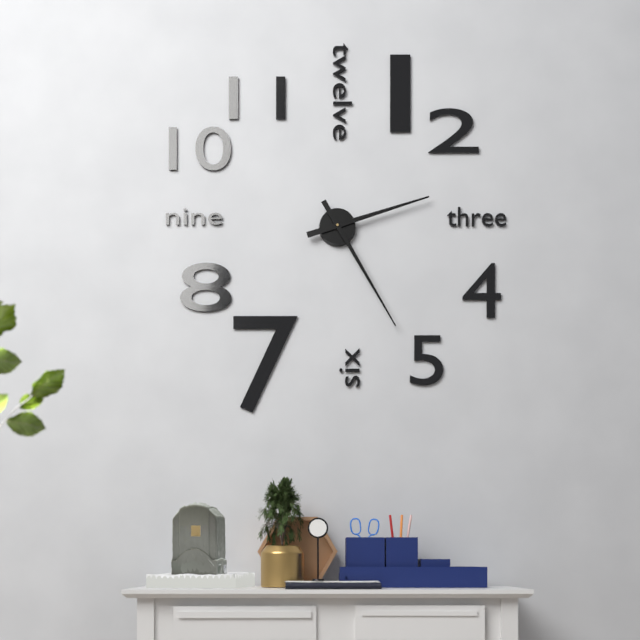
2:25
